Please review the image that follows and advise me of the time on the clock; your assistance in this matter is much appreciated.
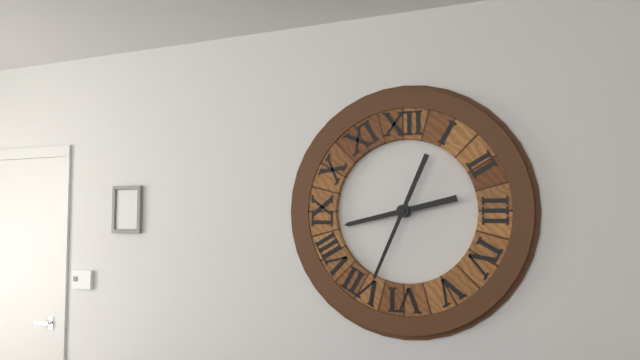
8:34
